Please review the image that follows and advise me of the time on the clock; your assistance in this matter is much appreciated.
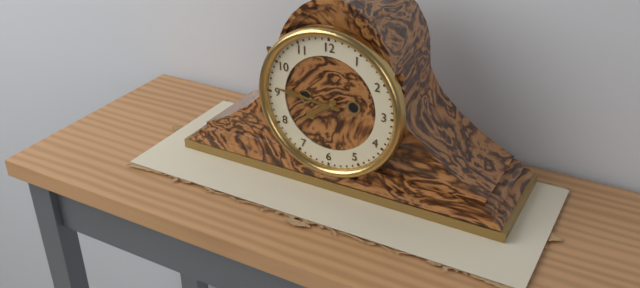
7:46
